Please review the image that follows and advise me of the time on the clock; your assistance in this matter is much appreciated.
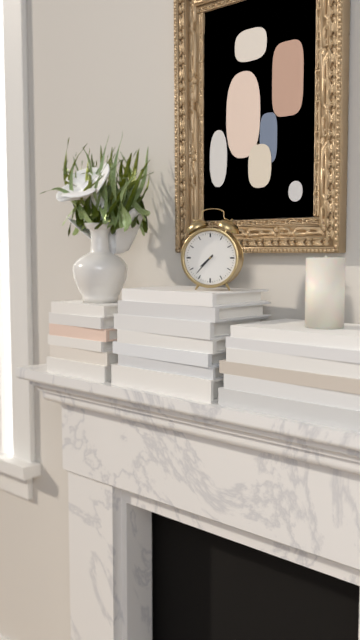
7:37
